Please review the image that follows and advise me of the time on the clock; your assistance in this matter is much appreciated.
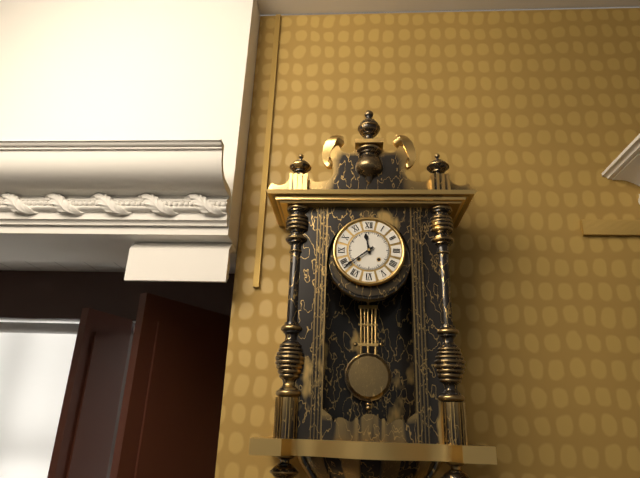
11:39
